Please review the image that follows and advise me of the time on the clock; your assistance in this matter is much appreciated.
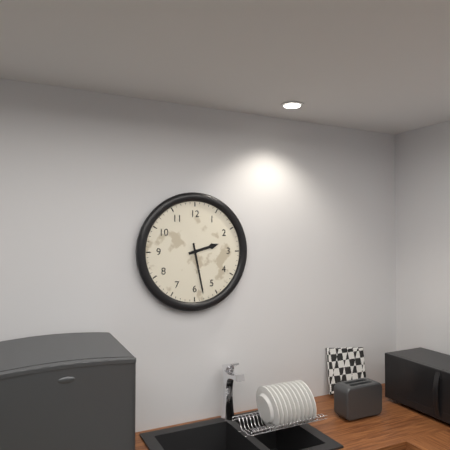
2:28
